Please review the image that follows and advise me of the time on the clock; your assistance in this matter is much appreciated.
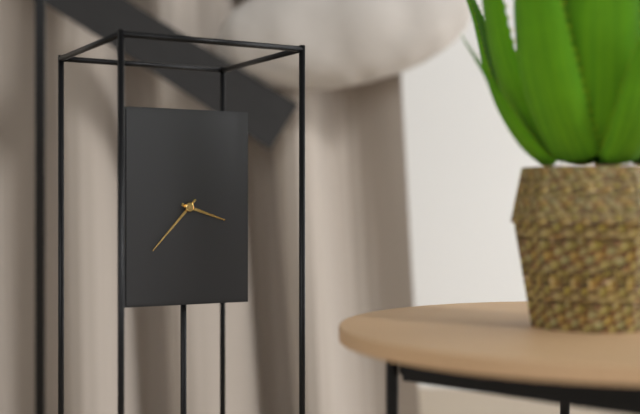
3:37
